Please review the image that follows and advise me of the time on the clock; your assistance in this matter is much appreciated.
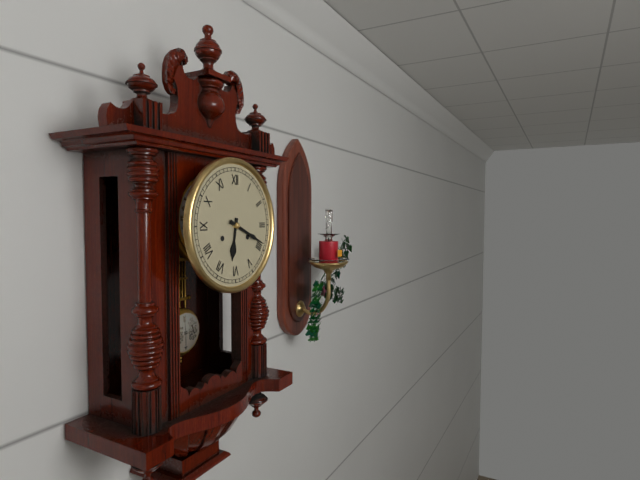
6:19
